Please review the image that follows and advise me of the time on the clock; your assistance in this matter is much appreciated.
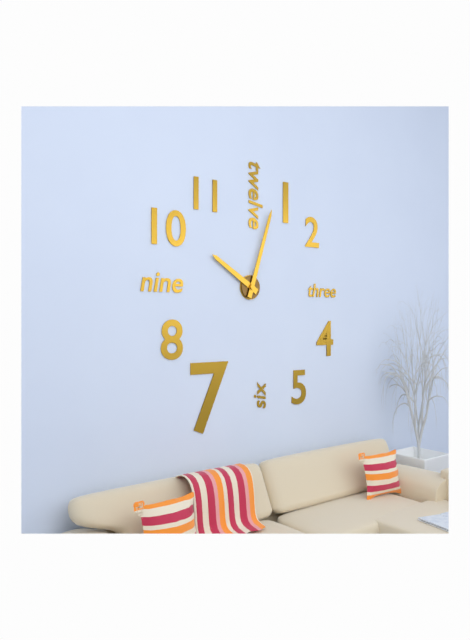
10:03
